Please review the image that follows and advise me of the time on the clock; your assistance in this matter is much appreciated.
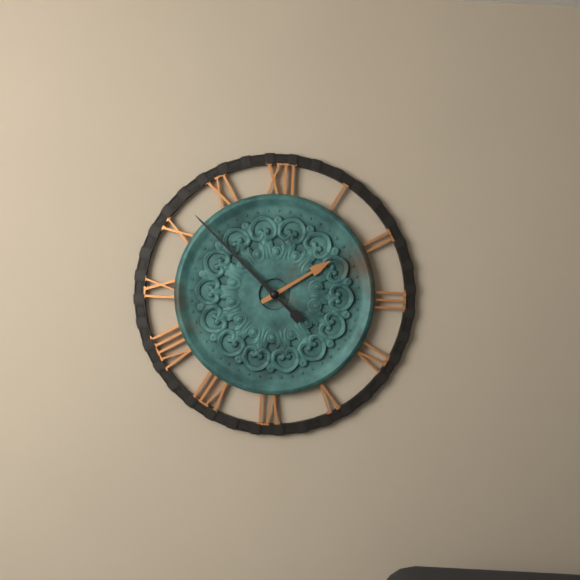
1:52
